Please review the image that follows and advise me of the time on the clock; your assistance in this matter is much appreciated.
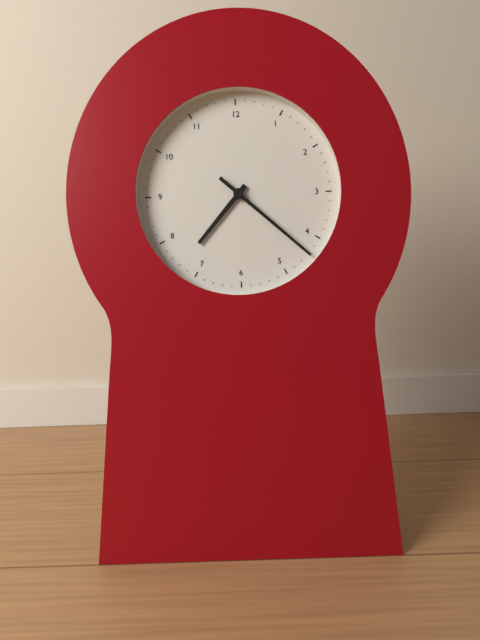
7:22
